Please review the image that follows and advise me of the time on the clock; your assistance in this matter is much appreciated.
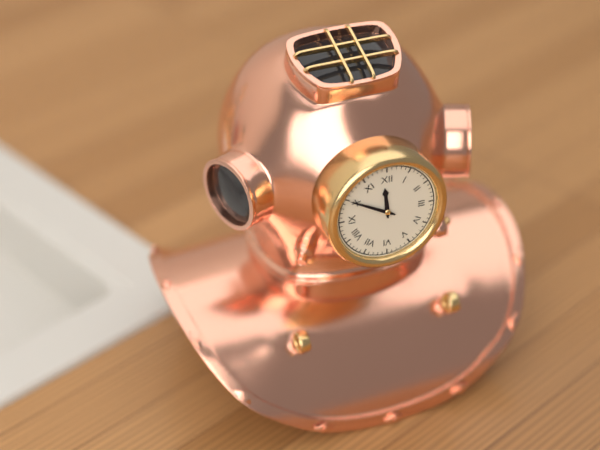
11:50
